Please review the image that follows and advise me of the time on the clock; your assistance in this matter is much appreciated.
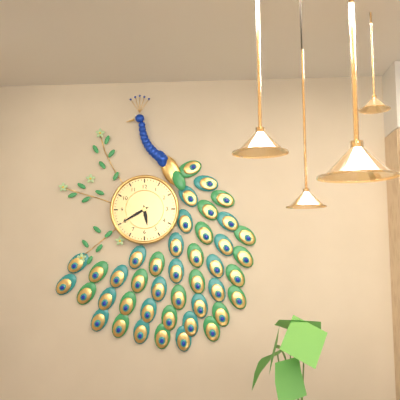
5:40
